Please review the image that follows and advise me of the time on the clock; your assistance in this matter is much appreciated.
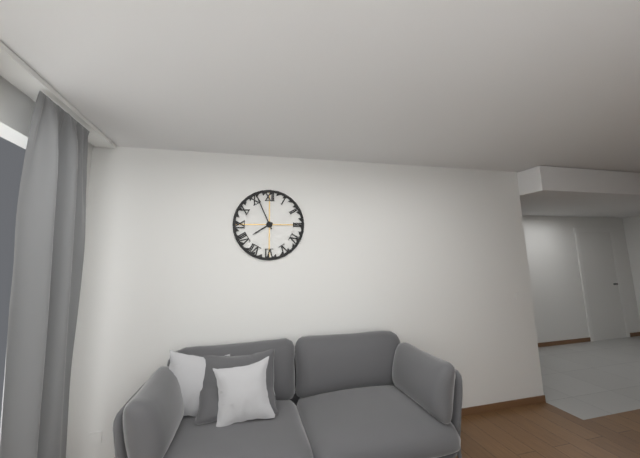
7:56
